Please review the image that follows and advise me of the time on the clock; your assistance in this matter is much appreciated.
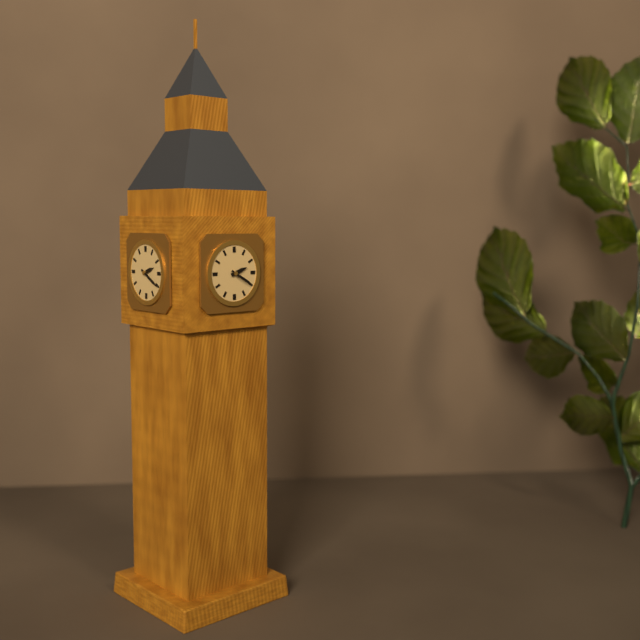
2:20
